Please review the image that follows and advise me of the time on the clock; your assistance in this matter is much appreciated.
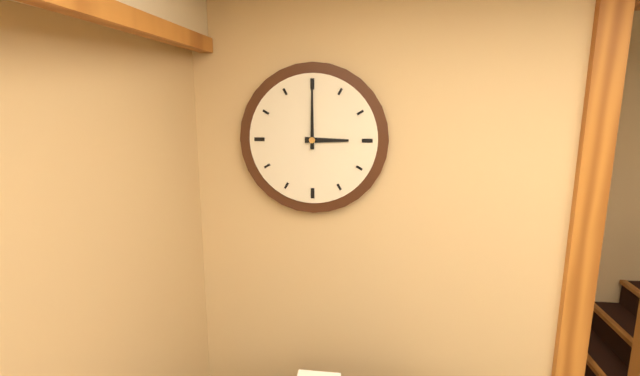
3:00
